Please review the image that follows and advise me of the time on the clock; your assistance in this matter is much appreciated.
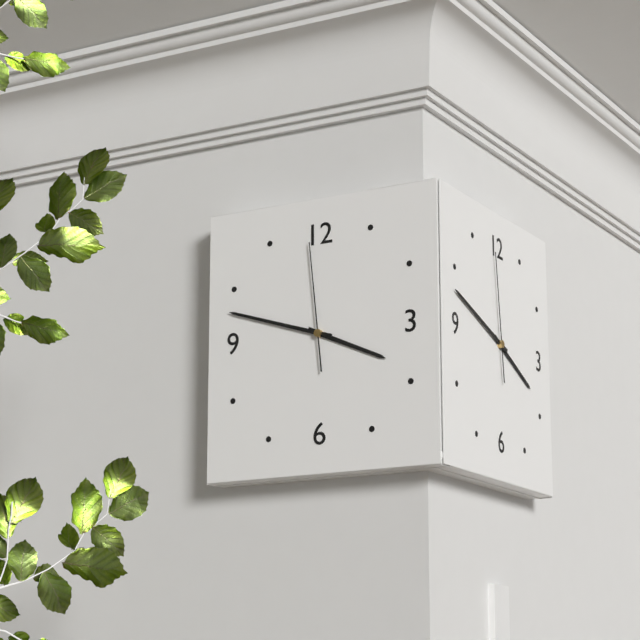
3:48:59
